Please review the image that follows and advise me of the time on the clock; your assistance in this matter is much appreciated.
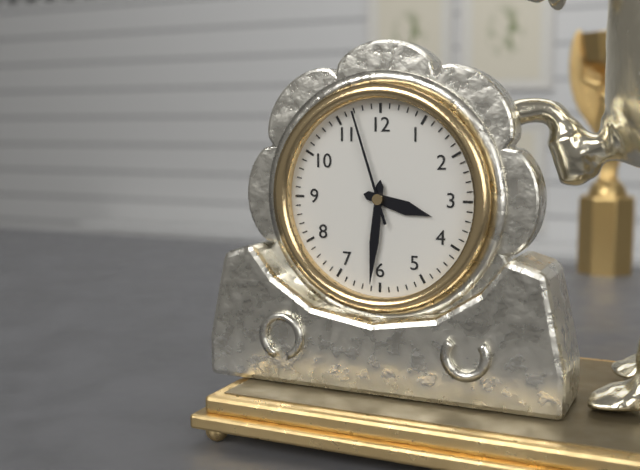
3:31:57
